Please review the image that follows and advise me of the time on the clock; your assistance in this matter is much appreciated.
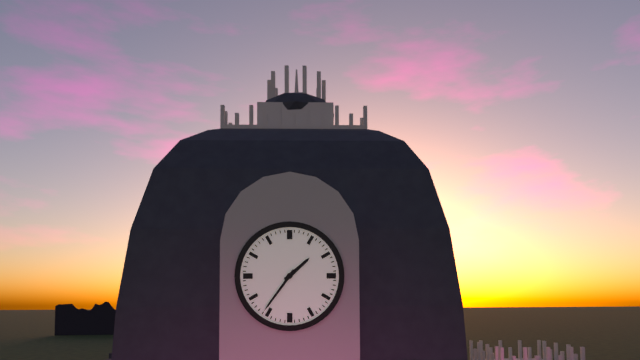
1:36
